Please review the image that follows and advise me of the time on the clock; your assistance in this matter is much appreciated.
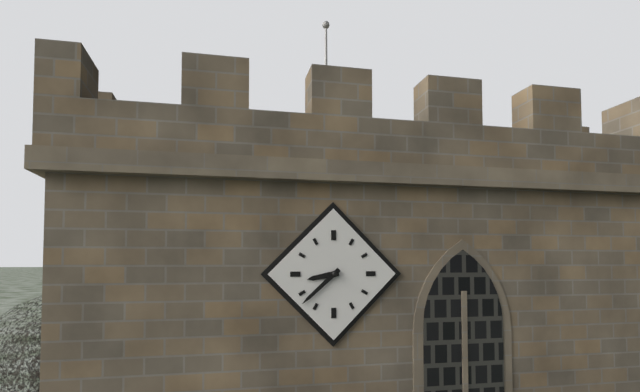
8:38
